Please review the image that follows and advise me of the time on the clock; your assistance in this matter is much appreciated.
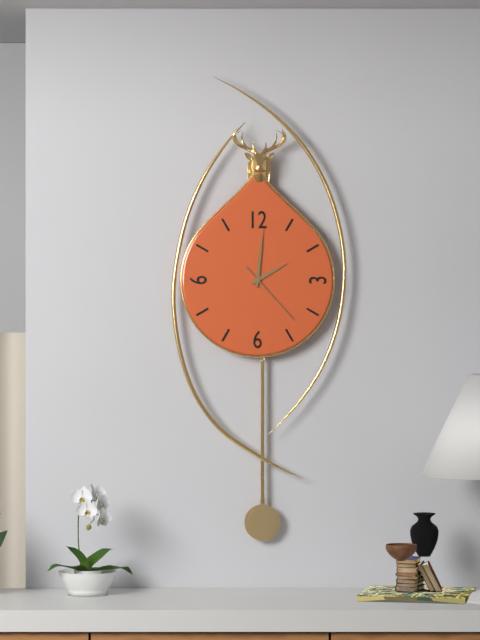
2:01:23
